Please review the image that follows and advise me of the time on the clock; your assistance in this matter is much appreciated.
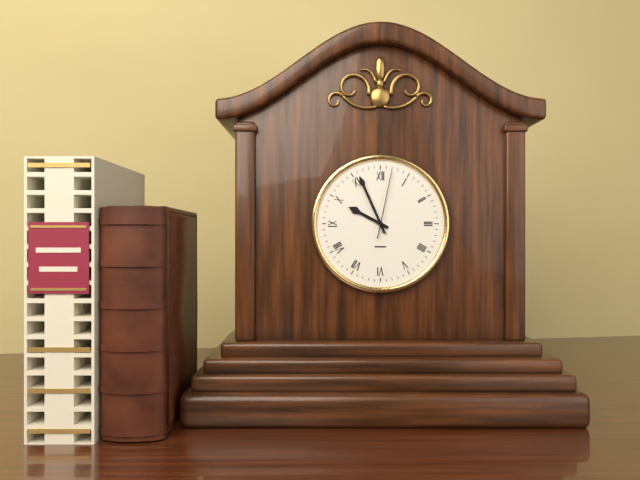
9:56:02
